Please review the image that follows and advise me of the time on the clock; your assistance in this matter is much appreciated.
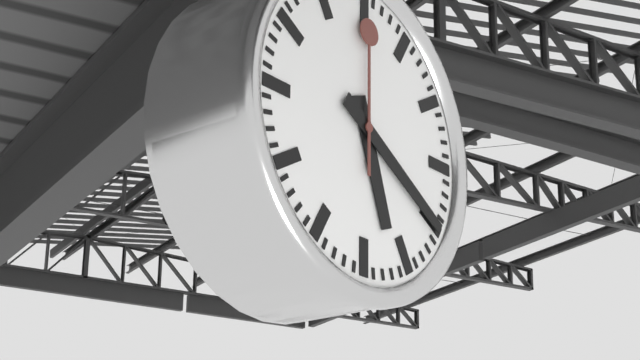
5:20:00
